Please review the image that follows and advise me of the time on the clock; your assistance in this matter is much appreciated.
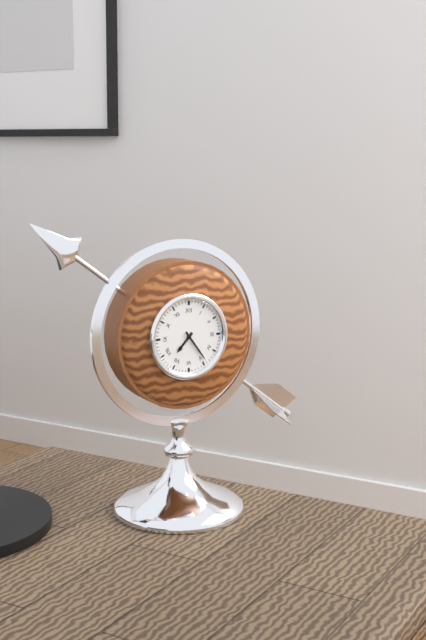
7:24
